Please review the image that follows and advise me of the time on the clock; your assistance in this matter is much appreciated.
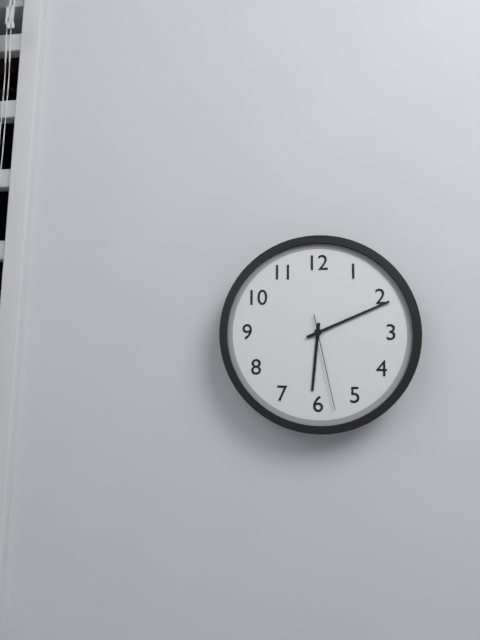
6:11:28
